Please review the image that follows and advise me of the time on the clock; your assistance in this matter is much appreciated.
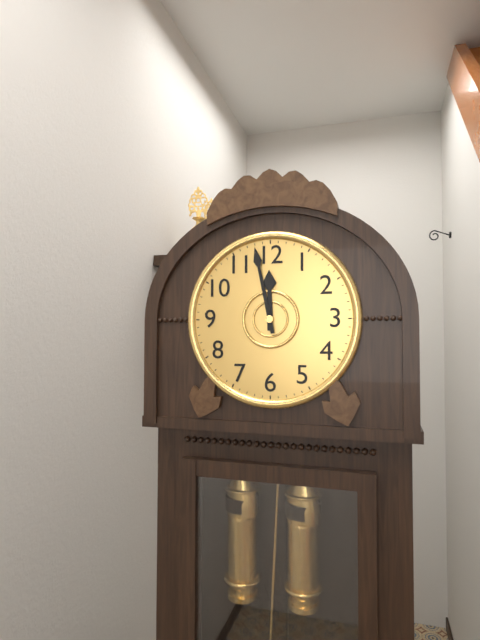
11:58
